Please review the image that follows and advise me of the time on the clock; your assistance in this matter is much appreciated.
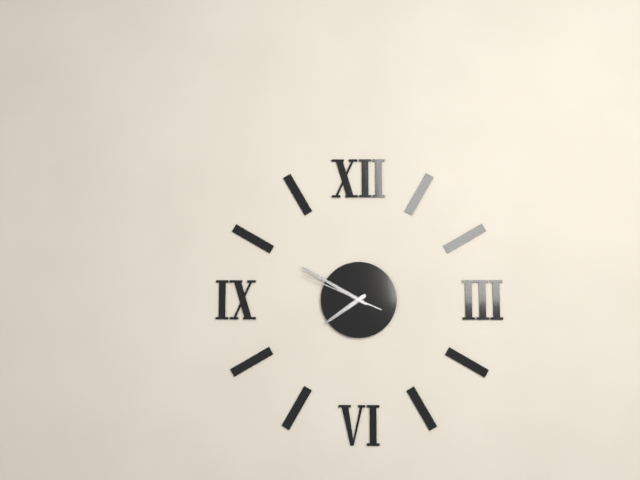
7:50:49
